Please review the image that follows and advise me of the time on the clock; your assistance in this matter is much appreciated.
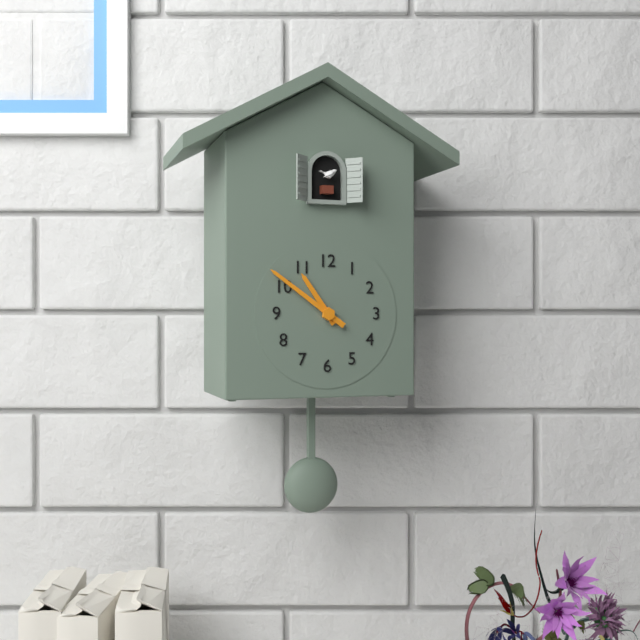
10:51
